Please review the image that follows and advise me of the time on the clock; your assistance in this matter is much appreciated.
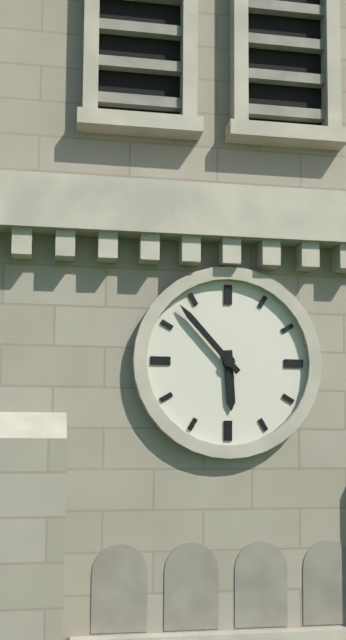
5:53
